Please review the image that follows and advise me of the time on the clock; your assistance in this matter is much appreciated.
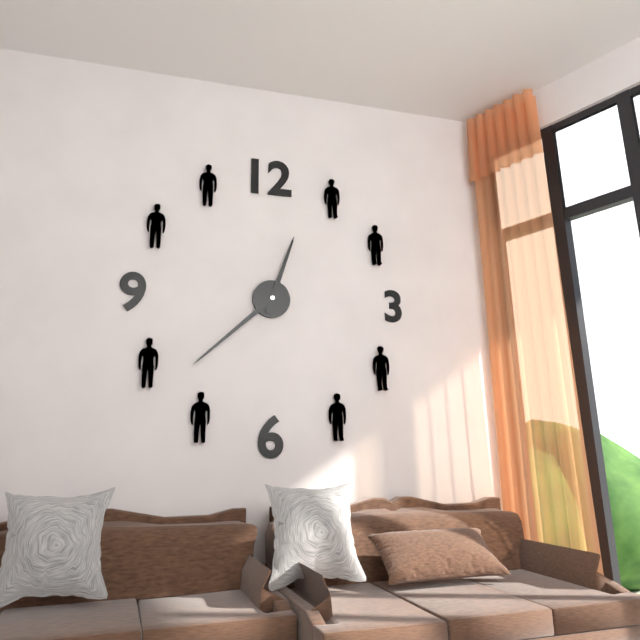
12:38
